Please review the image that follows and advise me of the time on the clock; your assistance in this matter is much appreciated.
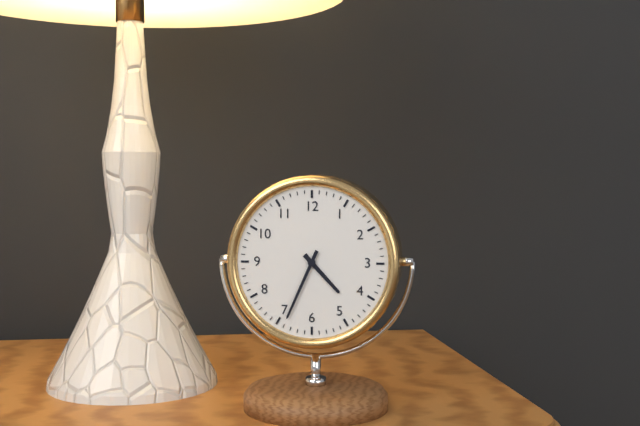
4:34
